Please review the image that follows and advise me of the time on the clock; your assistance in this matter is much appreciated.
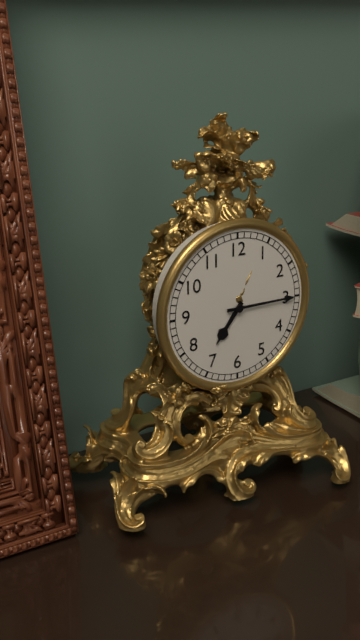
7:15
